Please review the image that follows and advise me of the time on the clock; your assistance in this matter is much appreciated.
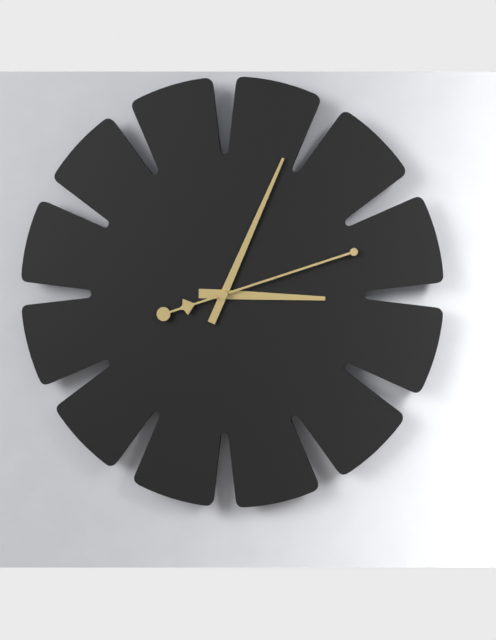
3:04:12
